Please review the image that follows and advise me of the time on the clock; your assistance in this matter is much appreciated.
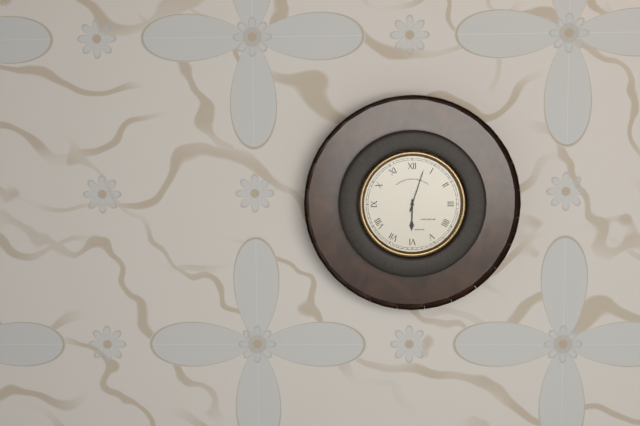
6:03
